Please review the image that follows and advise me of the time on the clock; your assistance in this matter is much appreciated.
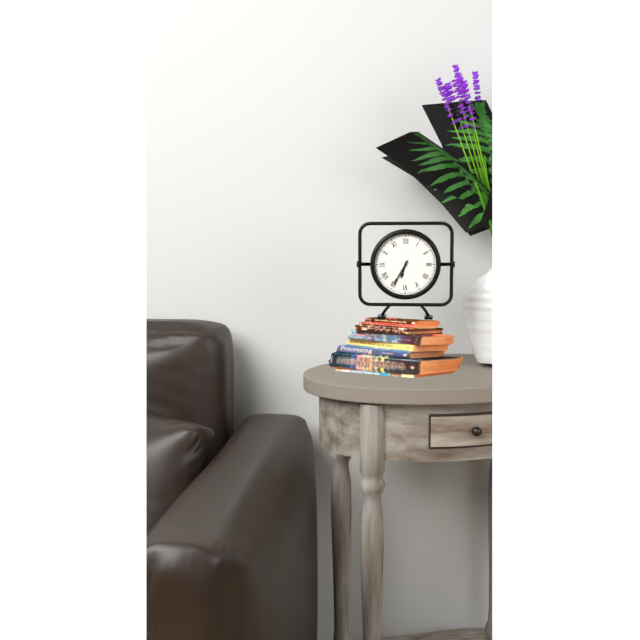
6:35
